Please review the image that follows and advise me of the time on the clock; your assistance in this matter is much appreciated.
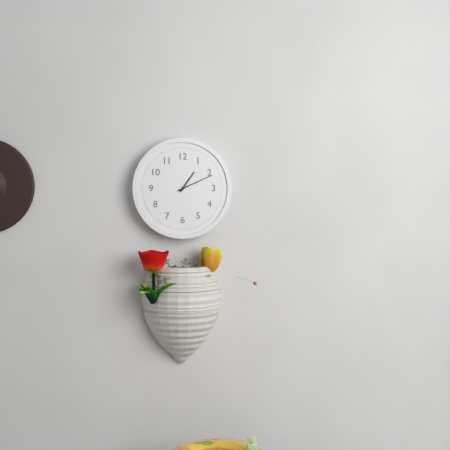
1:11
